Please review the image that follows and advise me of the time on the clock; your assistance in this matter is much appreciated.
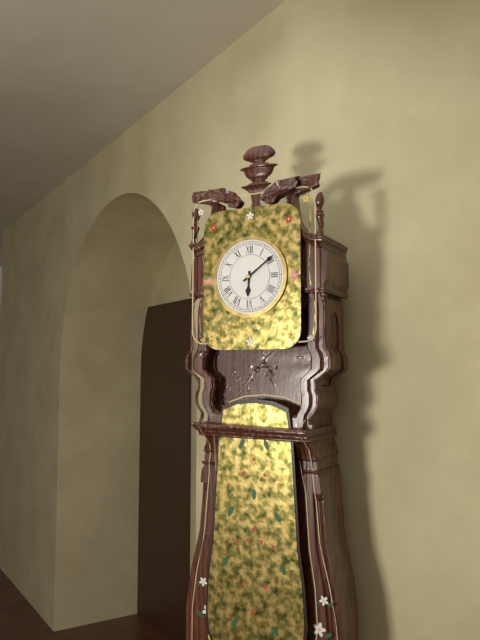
6:09
